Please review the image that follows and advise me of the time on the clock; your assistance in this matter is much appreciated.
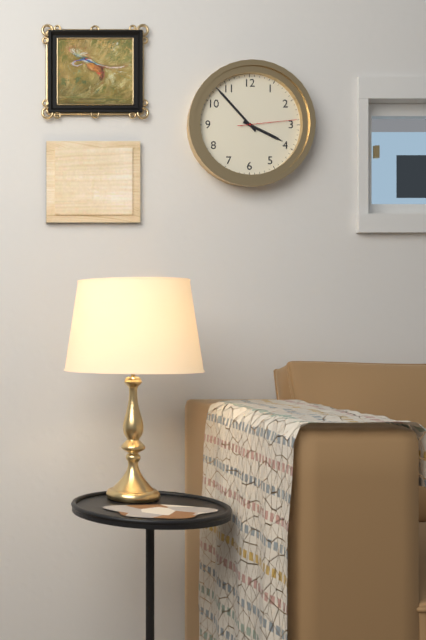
3:53:14
